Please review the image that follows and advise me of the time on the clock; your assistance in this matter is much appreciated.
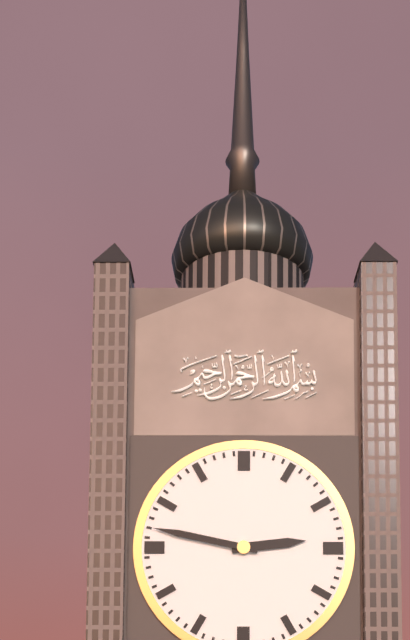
2:47
